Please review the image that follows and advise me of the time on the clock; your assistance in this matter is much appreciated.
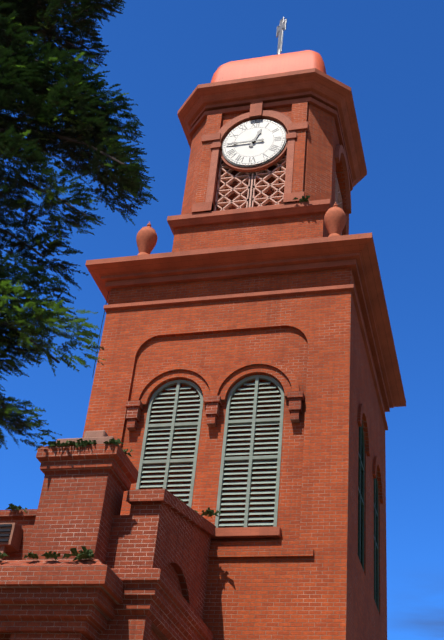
12:45
